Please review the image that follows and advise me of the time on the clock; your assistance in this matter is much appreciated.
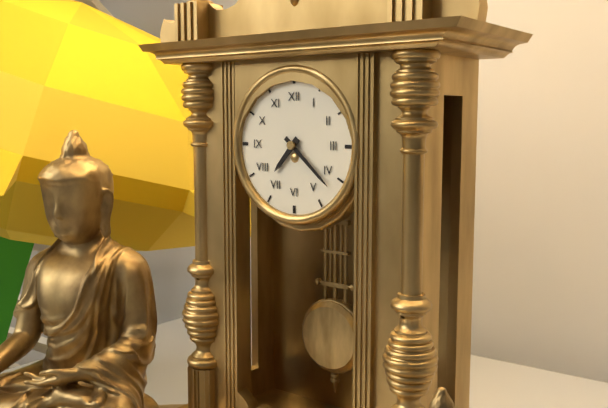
7:22
